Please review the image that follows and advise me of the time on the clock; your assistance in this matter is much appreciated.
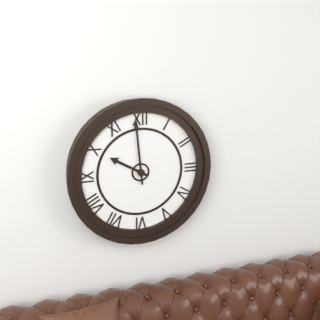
9:59
